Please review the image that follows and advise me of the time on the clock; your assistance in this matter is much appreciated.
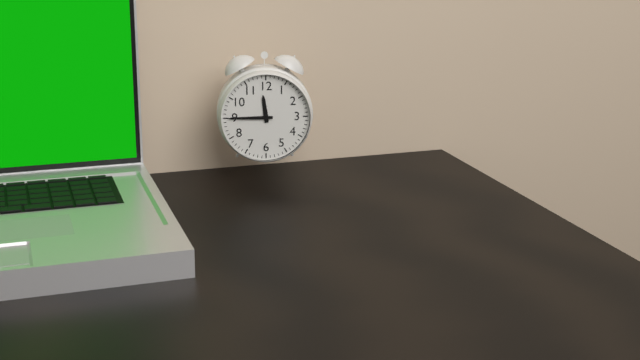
11:45
